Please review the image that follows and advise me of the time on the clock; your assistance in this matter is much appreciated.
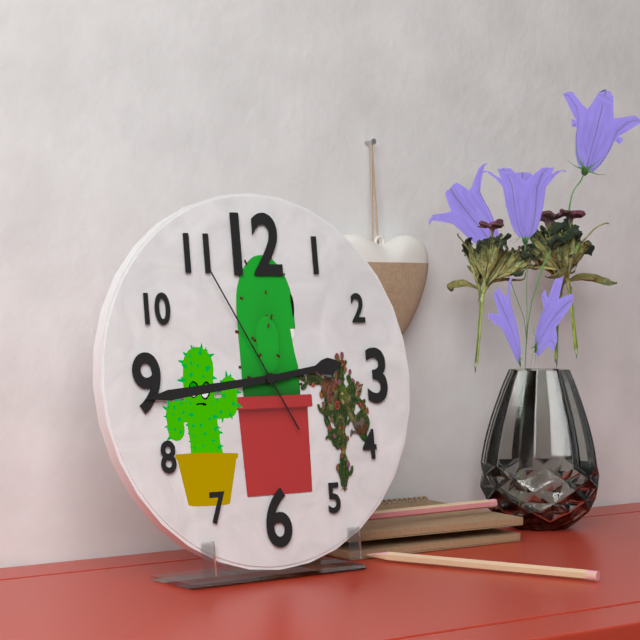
2:44:55
